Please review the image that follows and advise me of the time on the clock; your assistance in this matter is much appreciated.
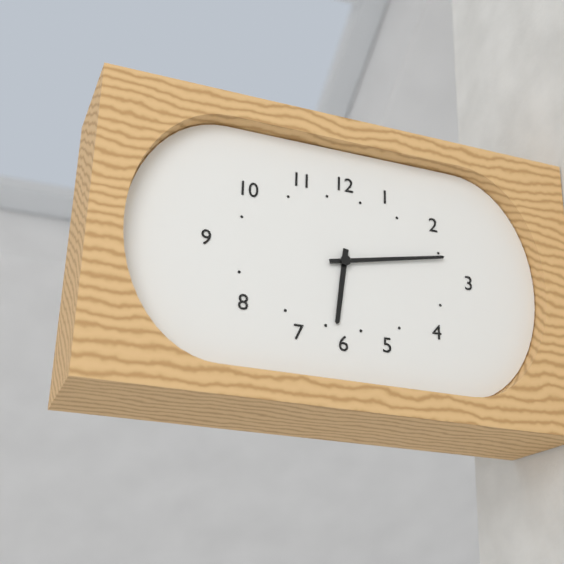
6:13
